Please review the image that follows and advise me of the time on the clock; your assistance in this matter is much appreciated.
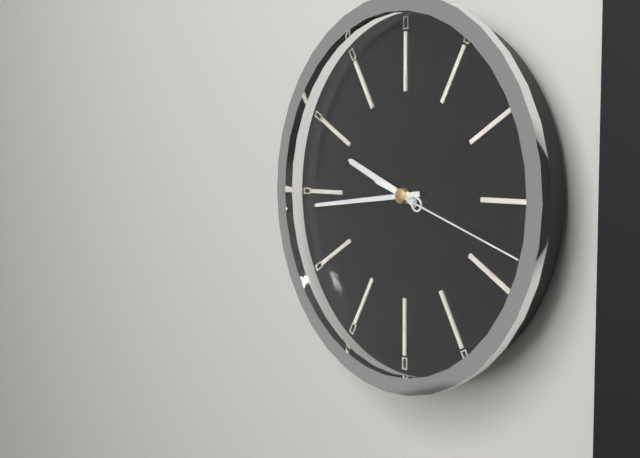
9:44:18
